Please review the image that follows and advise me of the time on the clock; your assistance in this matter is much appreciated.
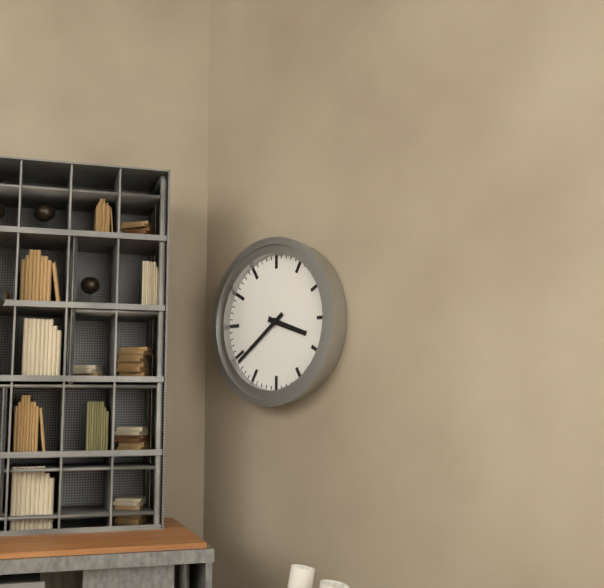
3:39
